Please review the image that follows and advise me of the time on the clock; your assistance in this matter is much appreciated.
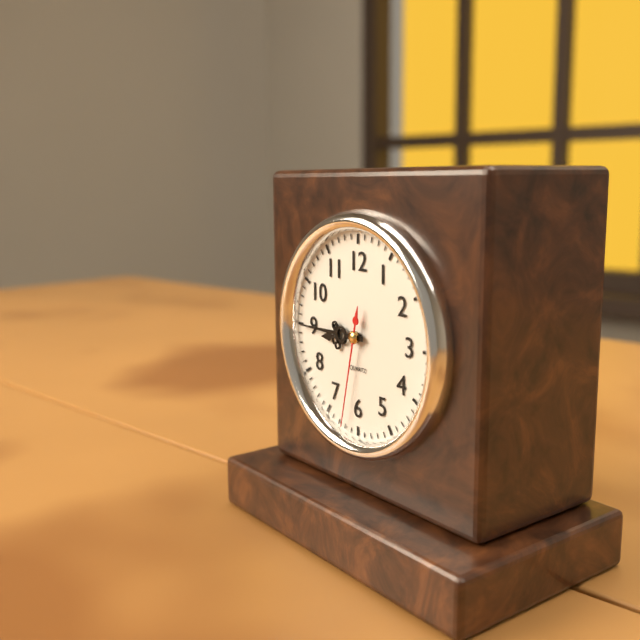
8:45:32
